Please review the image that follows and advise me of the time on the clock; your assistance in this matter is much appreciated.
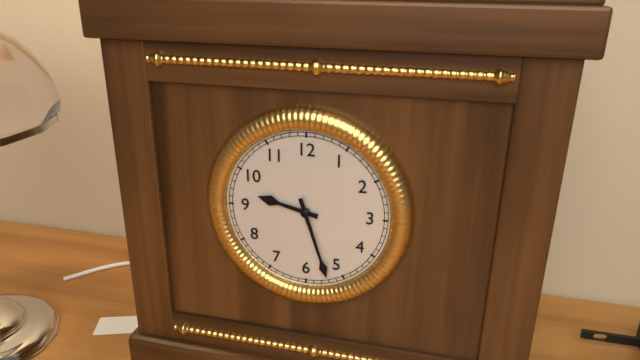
9:27
